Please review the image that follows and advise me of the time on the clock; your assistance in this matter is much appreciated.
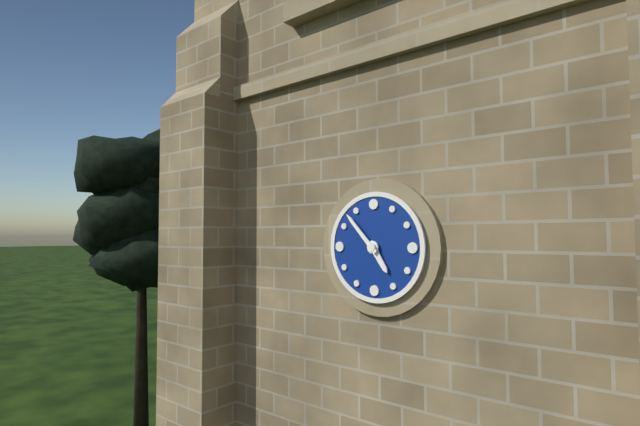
4:53
